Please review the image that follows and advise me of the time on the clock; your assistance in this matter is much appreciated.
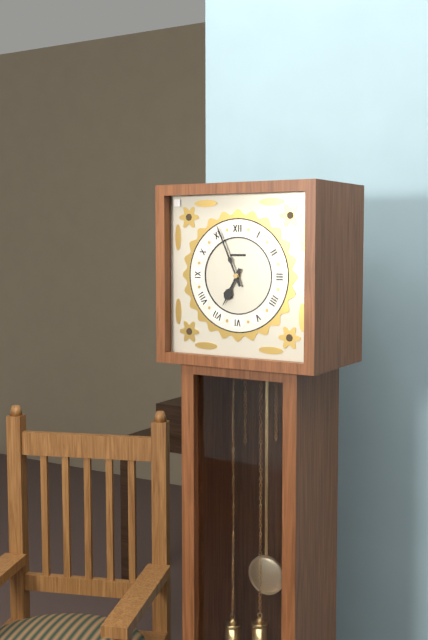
6:56
